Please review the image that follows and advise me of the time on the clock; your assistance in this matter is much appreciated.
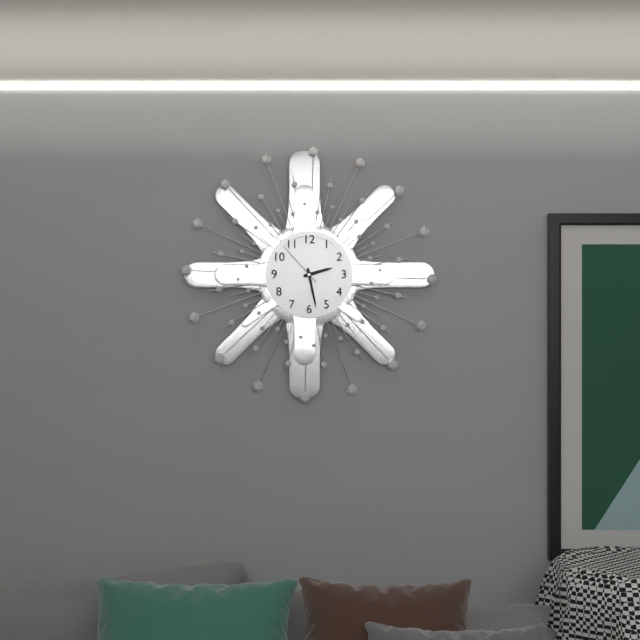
2:28
